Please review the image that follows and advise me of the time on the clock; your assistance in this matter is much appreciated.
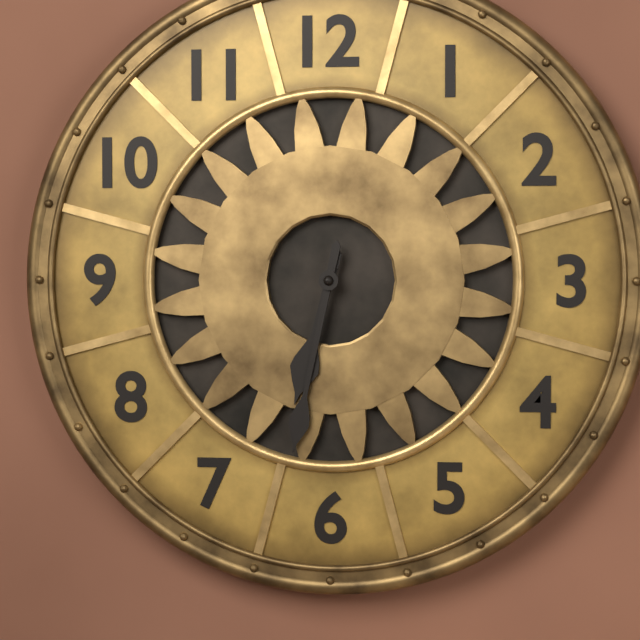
6:32
